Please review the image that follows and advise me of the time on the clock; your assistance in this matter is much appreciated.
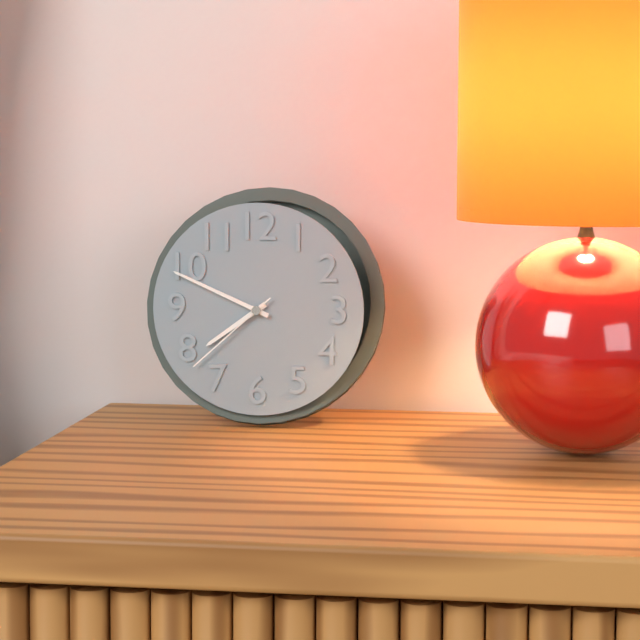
7:49:38
